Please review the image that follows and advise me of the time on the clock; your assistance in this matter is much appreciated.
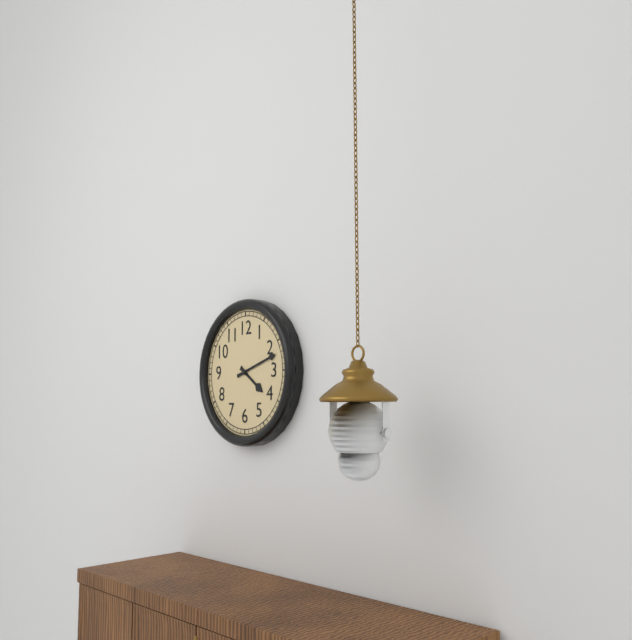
4:12
